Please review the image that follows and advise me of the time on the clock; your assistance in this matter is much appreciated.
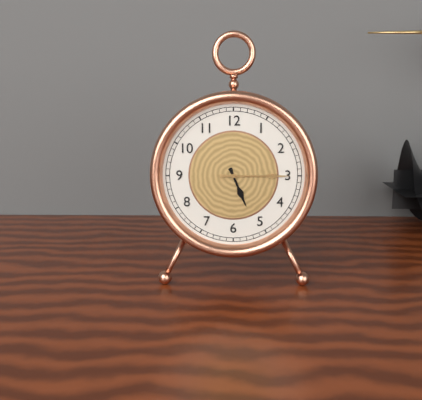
5:15
